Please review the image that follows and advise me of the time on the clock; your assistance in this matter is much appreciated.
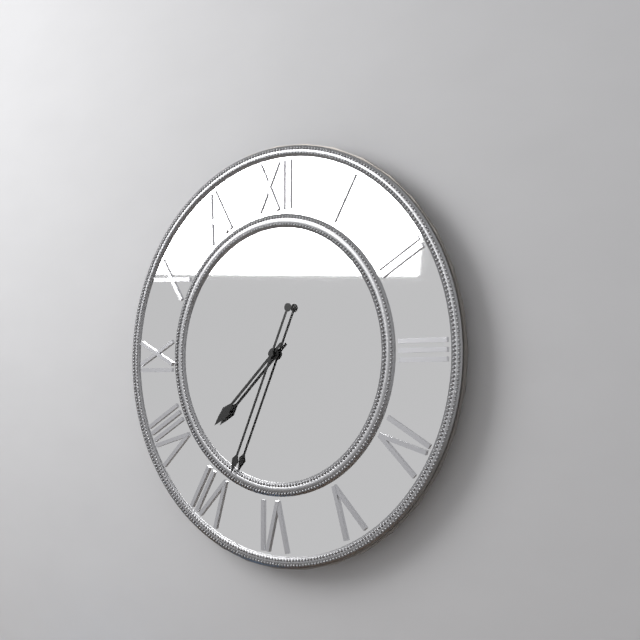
7:34
